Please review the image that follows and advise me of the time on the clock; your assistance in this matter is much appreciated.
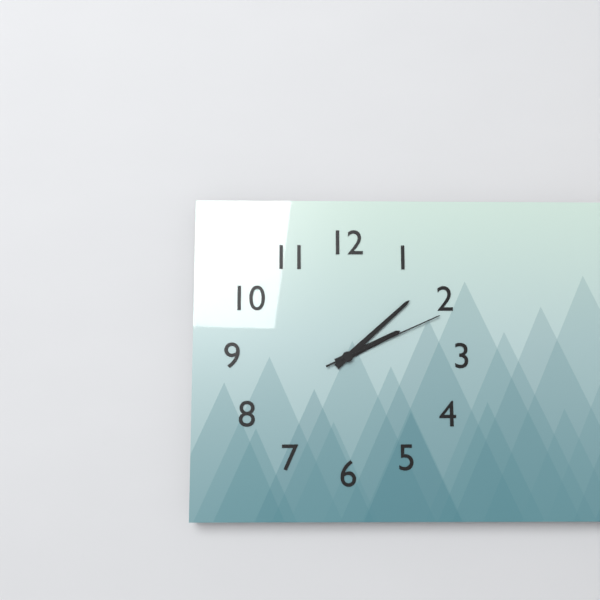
2:08:11
